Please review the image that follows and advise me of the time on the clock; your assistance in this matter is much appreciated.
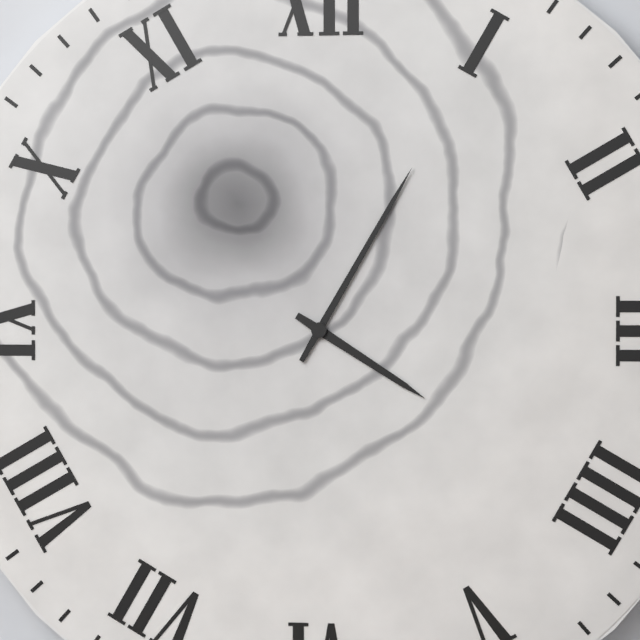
4:05
